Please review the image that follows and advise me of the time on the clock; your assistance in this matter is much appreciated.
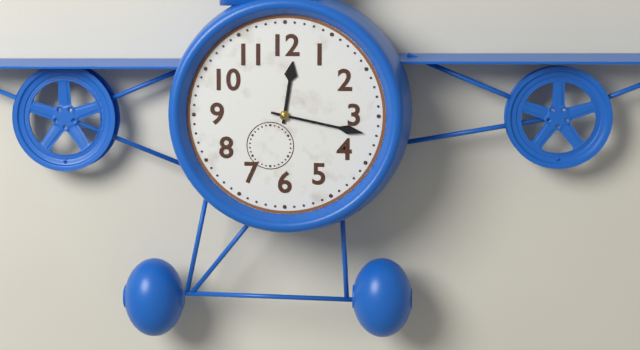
12:17
